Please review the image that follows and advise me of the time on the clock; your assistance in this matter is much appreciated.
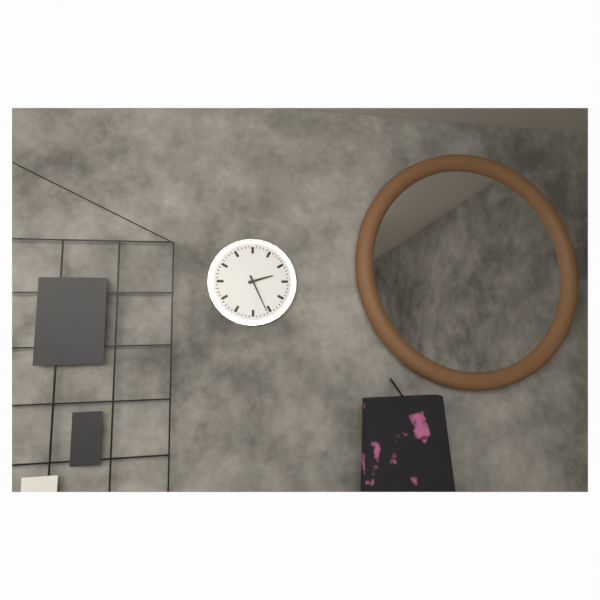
2:26
